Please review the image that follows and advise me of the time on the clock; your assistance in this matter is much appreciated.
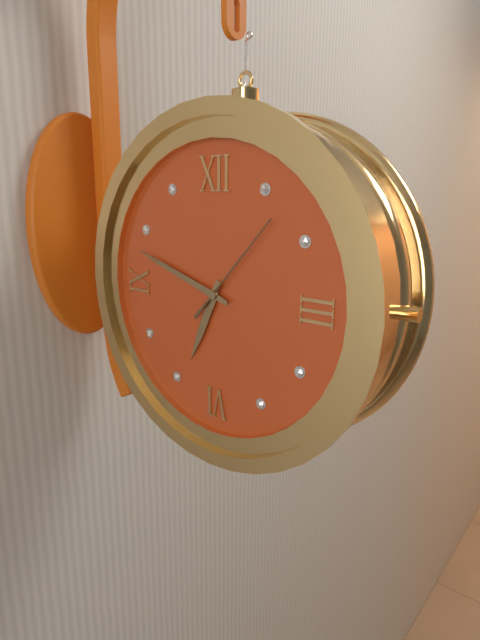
6:48:07
